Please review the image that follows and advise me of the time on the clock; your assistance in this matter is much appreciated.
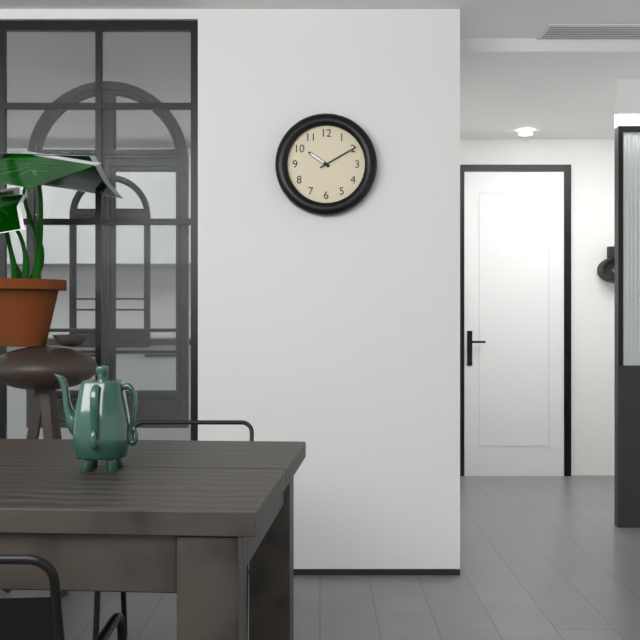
10:10
